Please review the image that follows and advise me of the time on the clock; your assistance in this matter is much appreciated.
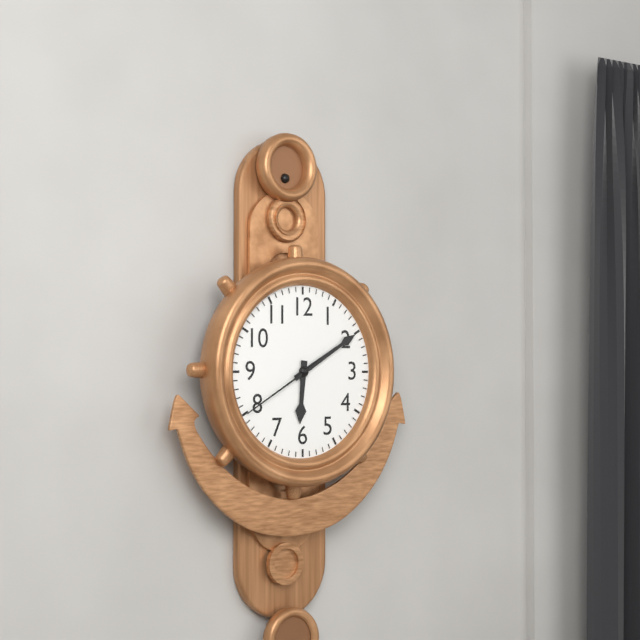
6:10:40
